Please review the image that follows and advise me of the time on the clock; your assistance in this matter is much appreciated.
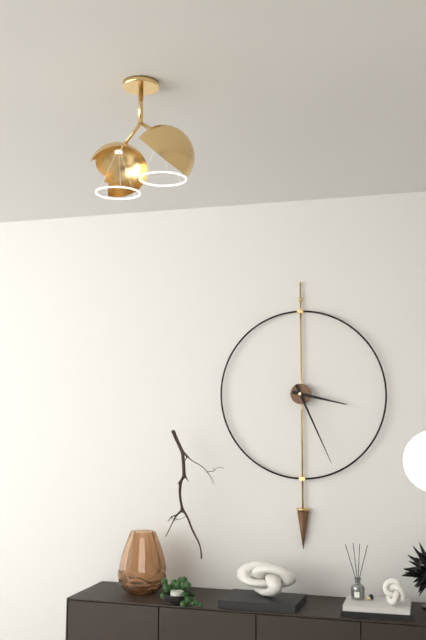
3:26
